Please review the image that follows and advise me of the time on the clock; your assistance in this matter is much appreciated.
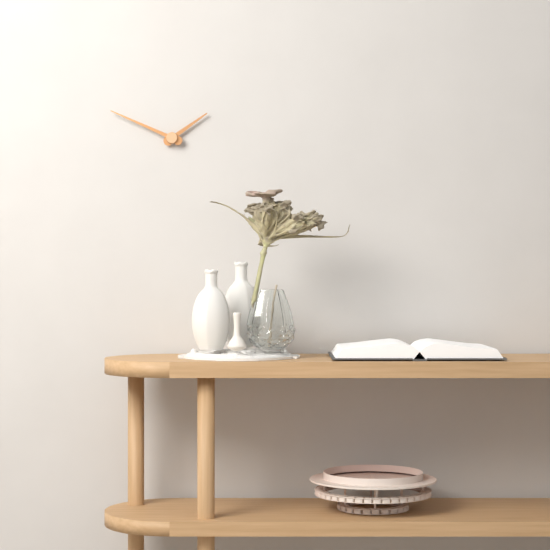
1:49
